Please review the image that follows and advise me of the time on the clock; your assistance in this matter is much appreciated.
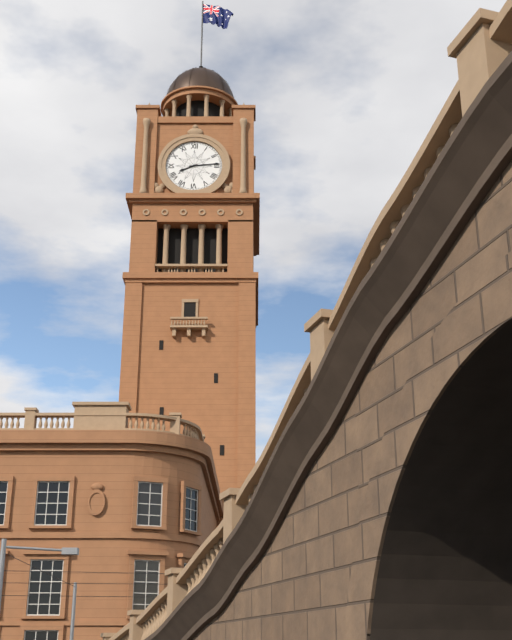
8:14
